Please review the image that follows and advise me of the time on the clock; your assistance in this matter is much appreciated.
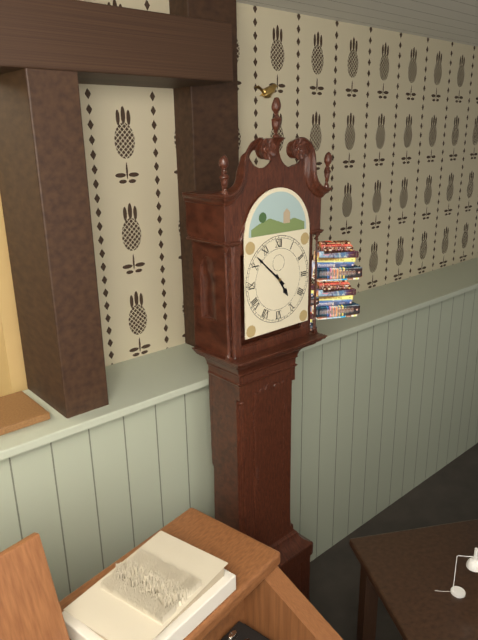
4:52
